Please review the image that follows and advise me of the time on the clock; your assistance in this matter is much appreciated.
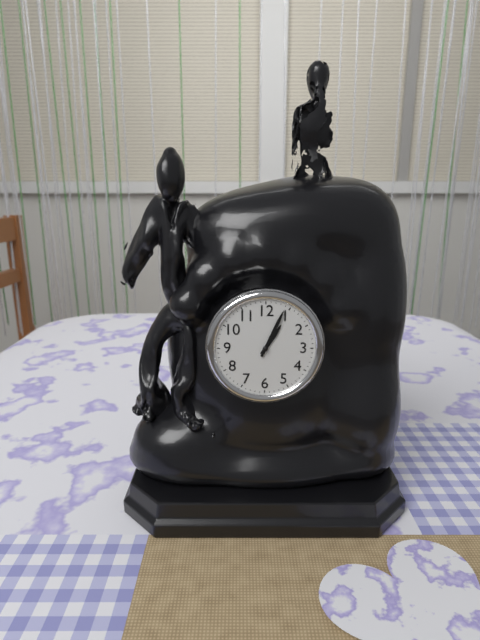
1:04
